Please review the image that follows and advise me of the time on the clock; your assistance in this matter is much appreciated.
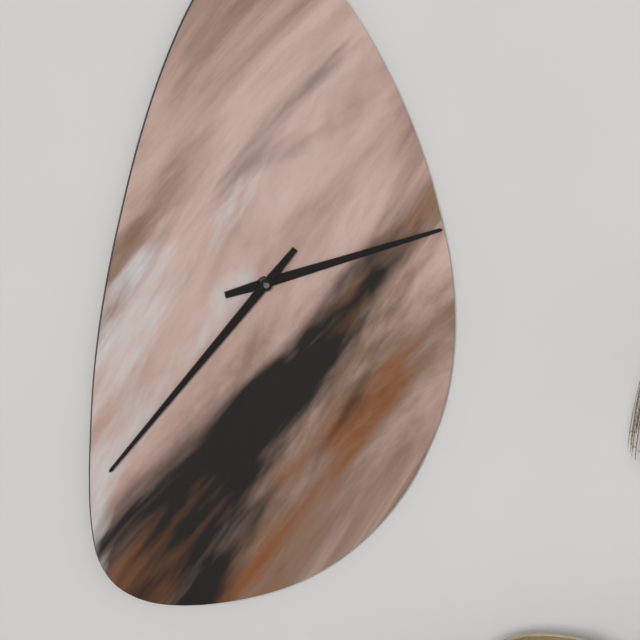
2:37
